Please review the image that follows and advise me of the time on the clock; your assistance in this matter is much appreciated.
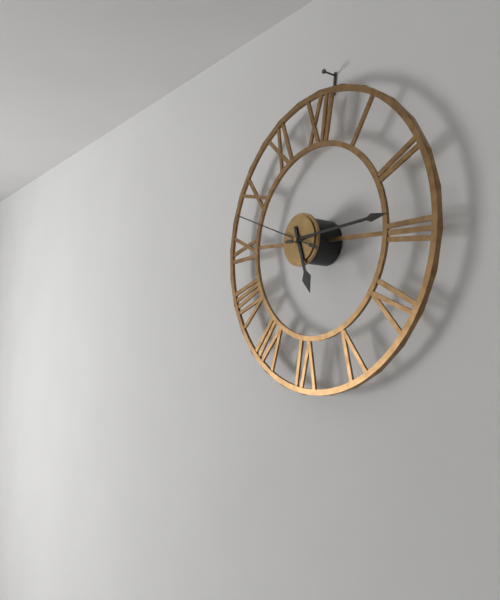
5:14:48
